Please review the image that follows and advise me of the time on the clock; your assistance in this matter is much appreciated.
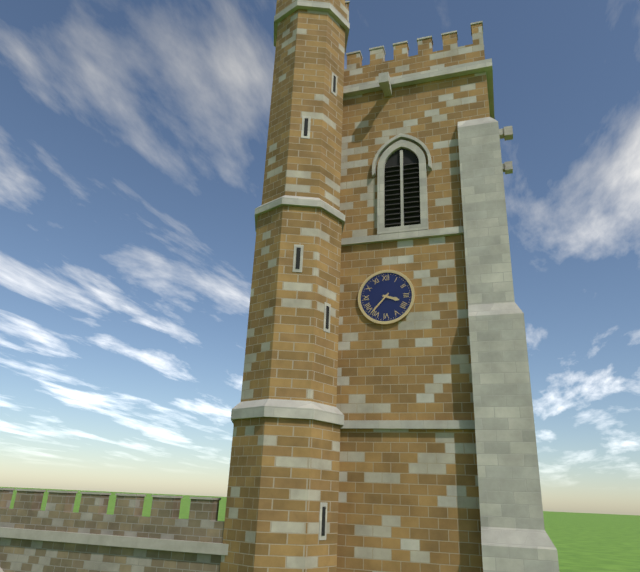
3:37
